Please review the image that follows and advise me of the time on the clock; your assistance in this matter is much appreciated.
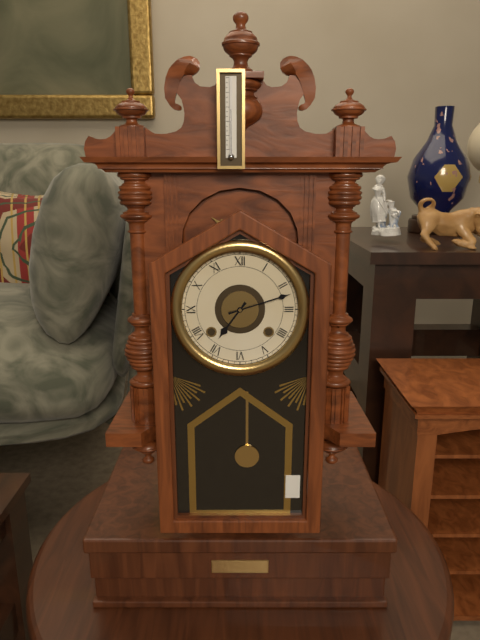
7:12
